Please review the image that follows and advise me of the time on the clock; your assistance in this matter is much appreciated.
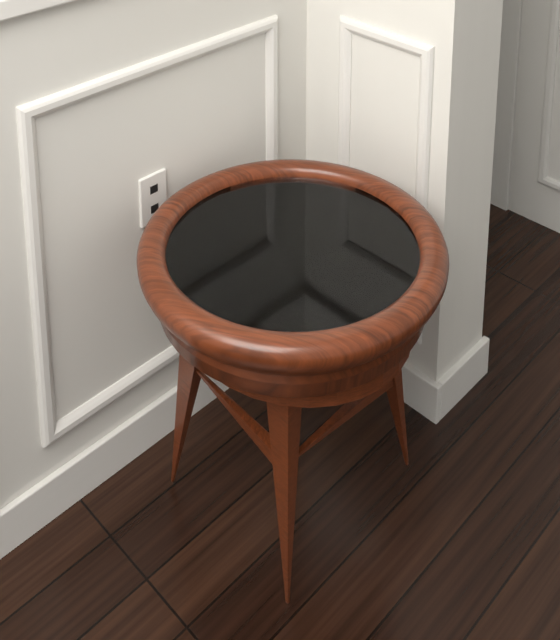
2:32
